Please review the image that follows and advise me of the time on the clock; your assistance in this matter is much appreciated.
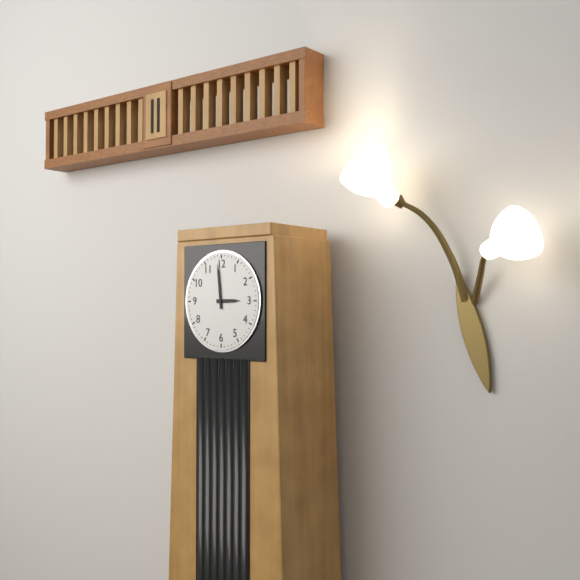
2:59
